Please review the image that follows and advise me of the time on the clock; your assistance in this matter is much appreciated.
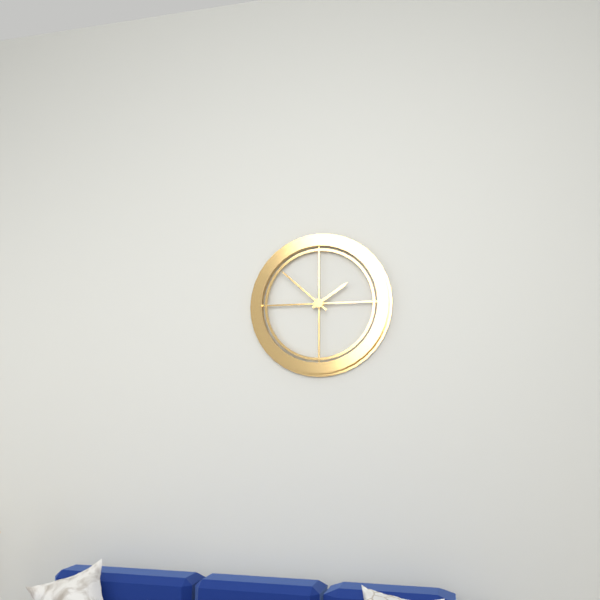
1:52
